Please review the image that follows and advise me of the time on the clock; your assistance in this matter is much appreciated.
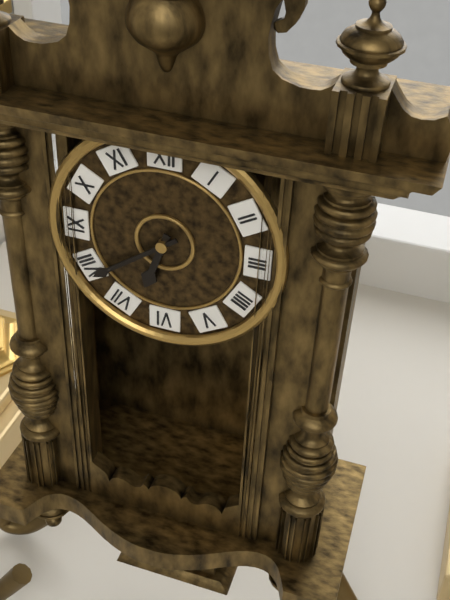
6:39
